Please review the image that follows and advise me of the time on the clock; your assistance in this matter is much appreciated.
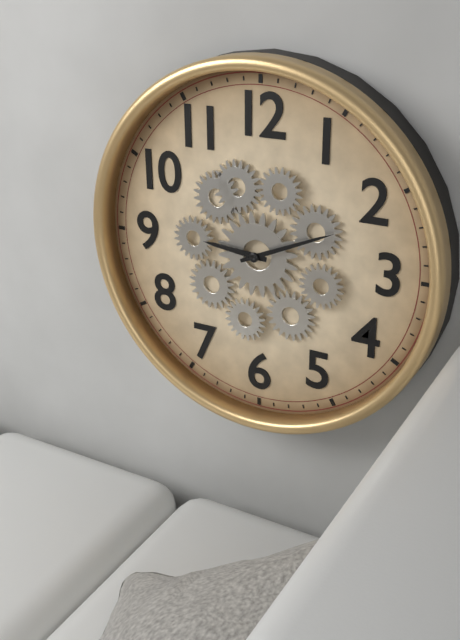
9:11
